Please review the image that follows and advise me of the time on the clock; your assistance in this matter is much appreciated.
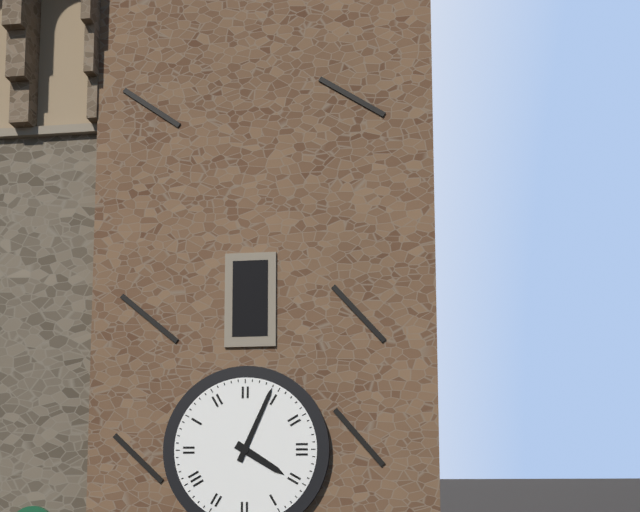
4:04
